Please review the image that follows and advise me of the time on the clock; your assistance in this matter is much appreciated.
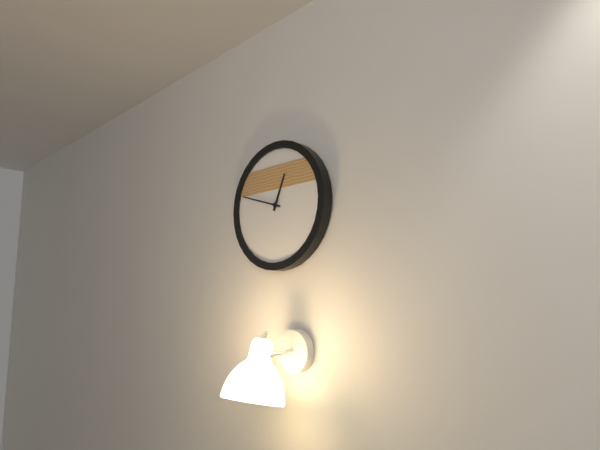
12:48
